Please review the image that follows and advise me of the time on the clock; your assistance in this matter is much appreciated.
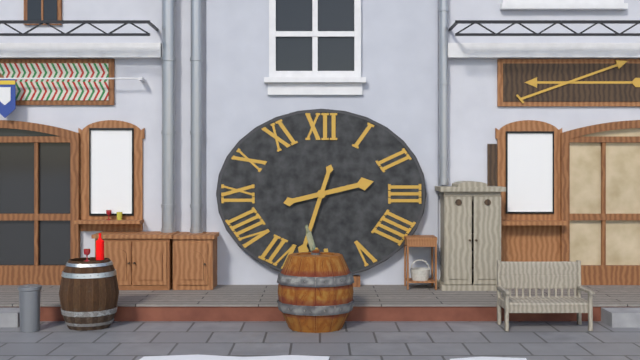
2:33
